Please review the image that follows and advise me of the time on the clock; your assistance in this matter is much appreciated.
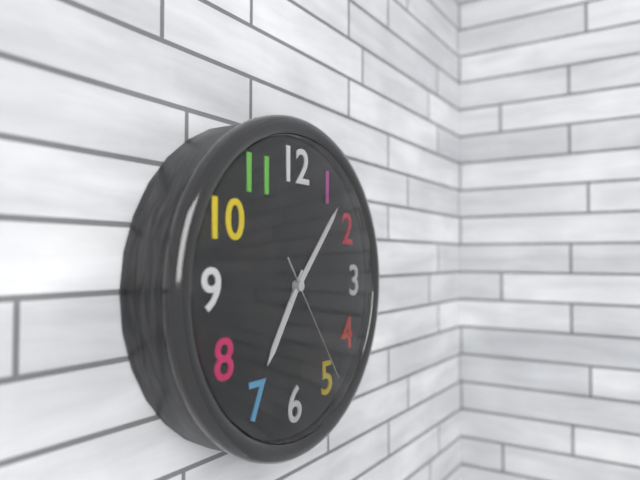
7:07:24
